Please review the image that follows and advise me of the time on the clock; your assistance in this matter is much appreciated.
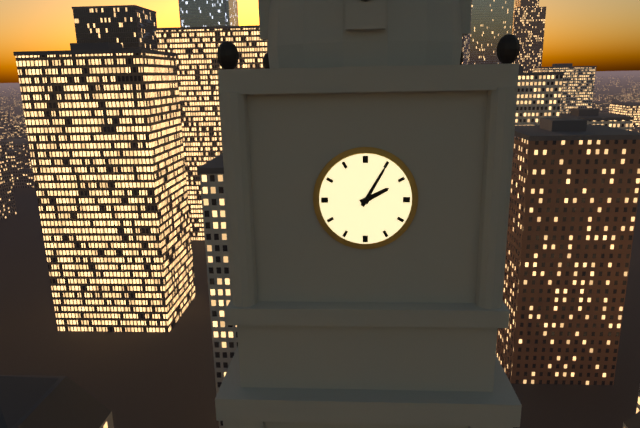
2:05
